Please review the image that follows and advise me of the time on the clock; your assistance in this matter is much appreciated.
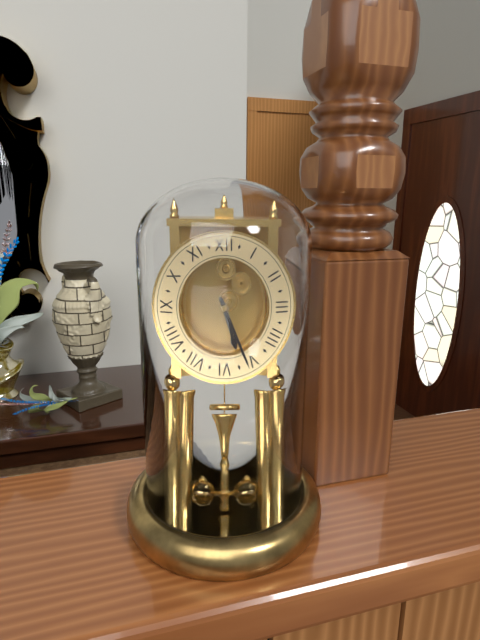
5:26
